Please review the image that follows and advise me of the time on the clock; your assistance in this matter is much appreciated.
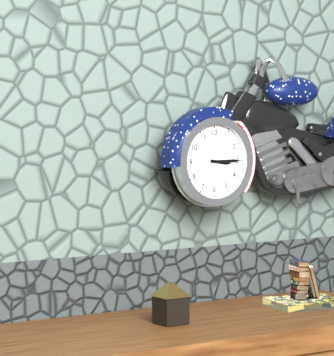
3:15
